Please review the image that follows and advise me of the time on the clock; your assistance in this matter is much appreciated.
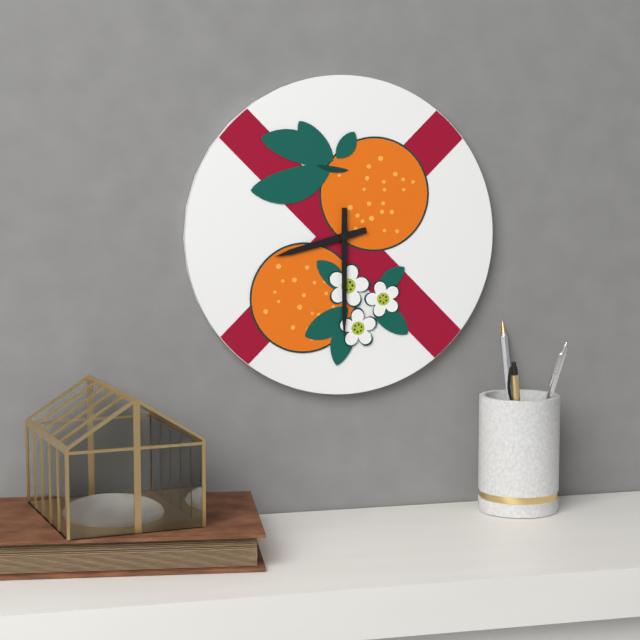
8:30
